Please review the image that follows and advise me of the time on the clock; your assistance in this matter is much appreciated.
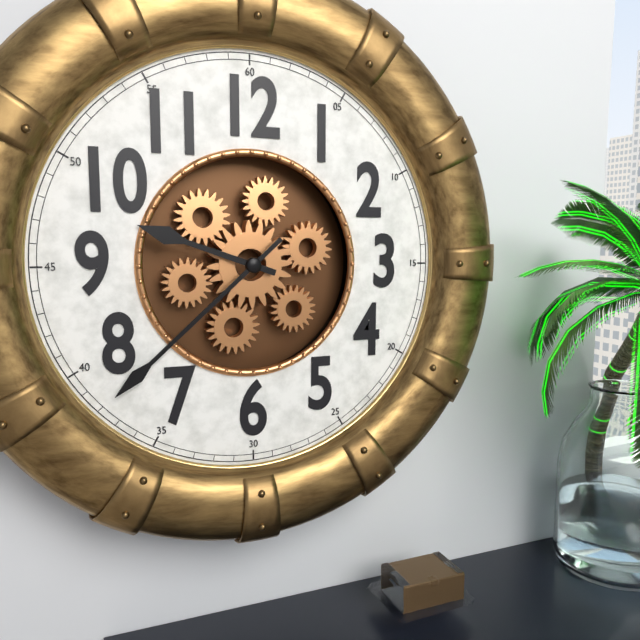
9:38
